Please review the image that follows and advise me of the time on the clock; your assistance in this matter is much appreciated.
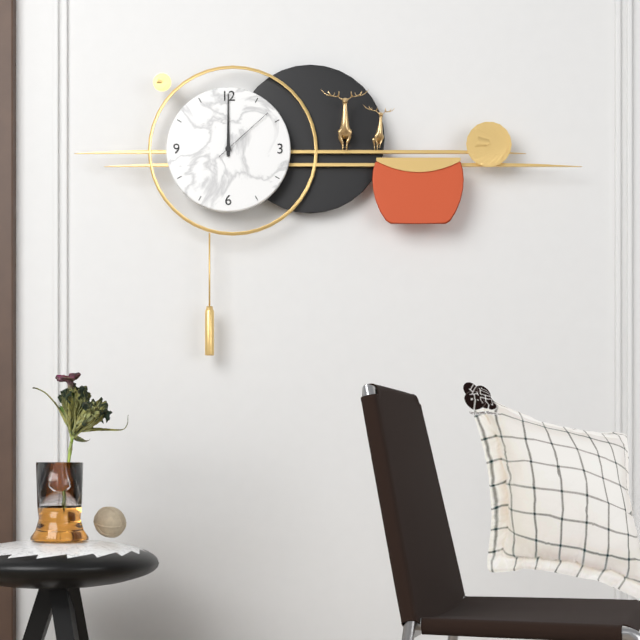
12:00:08
